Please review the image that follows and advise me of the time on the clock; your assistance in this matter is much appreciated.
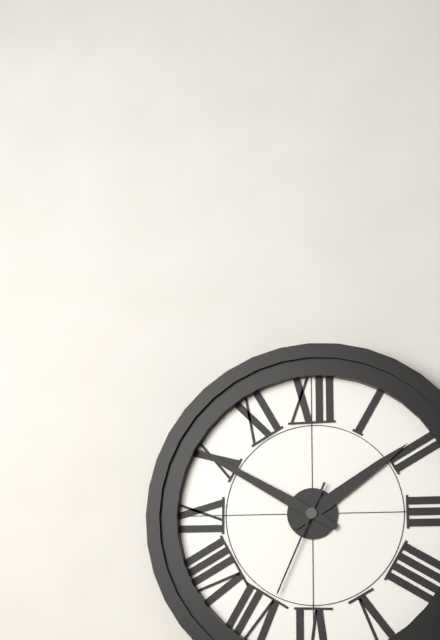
1:50:34
